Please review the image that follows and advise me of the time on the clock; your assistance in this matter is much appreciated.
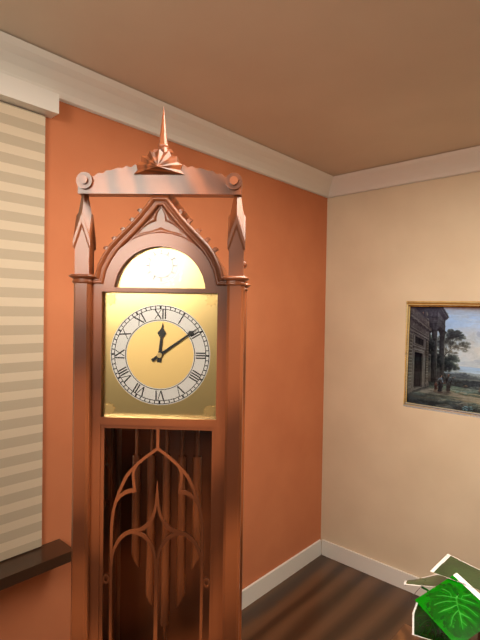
12:09
